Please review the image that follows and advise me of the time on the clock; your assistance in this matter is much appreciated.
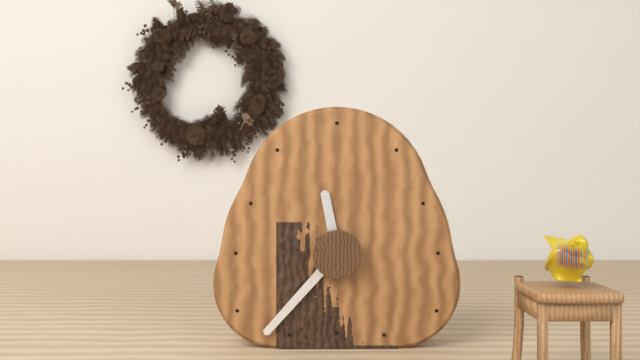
11:37
